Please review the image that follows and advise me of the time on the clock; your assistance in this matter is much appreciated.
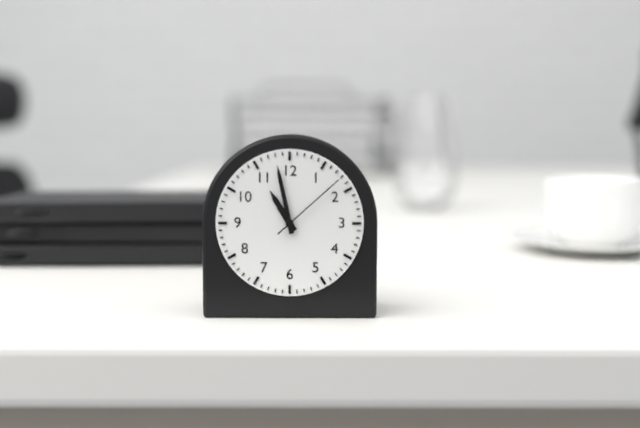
10:58:08
